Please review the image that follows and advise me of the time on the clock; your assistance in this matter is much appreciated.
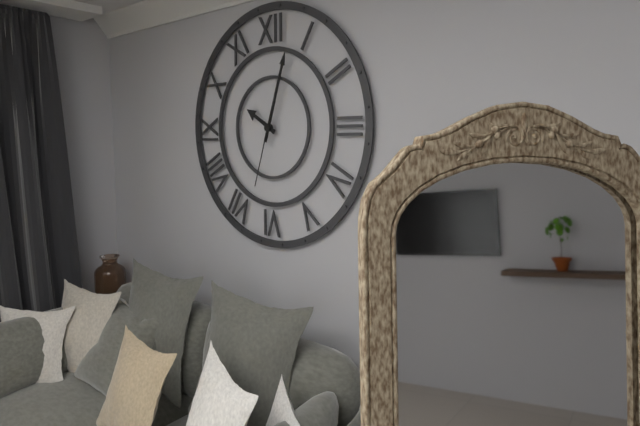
10:03:33
